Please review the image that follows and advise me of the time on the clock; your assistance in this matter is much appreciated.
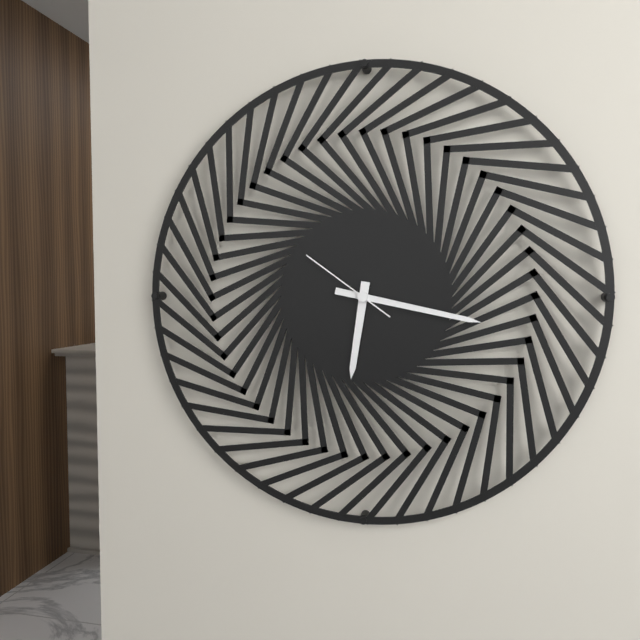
6:17:51
